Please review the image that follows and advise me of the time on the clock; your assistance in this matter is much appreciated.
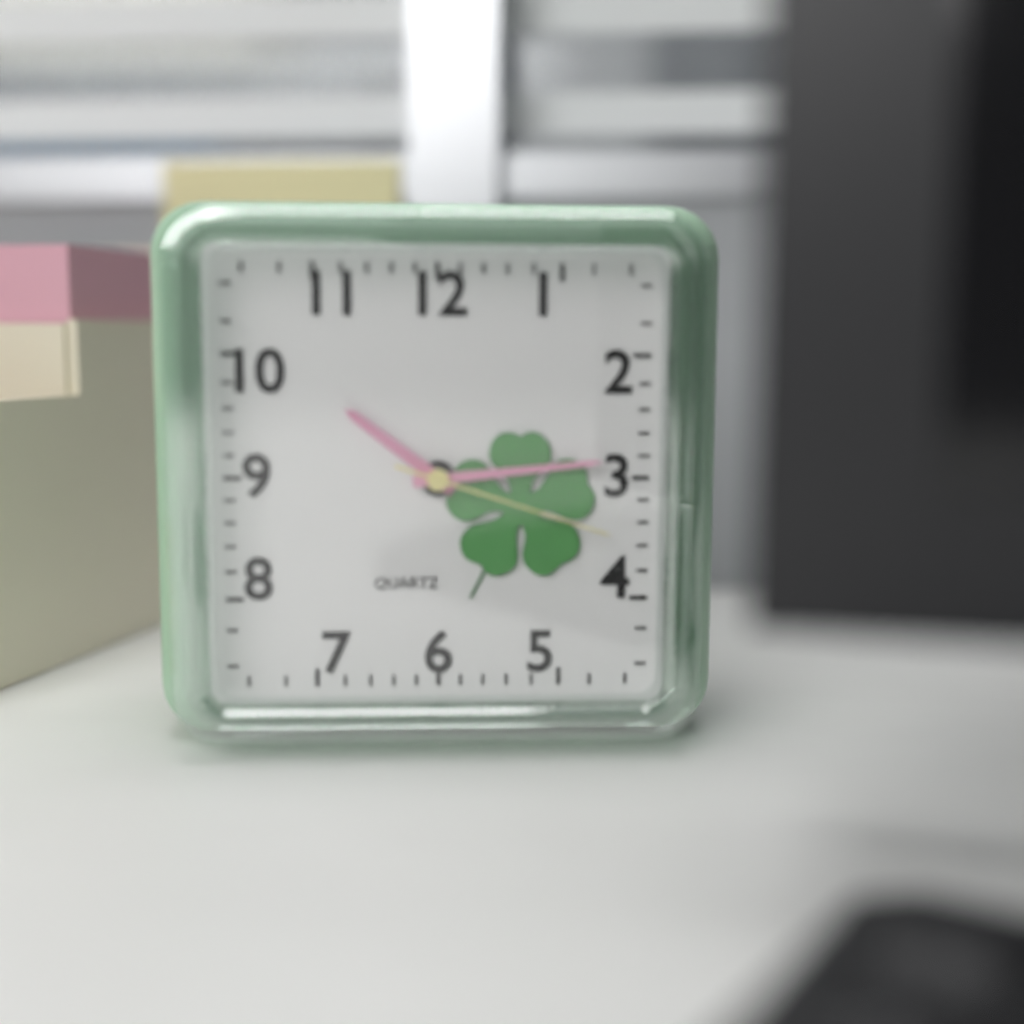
10:14:18
